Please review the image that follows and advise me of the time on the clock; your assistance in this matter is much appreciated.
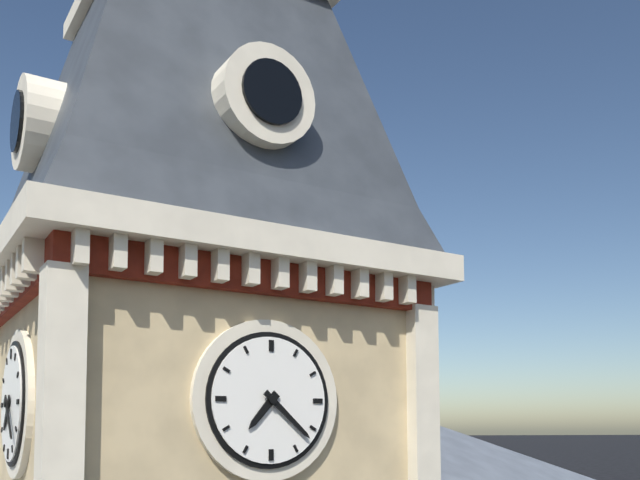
7:22
